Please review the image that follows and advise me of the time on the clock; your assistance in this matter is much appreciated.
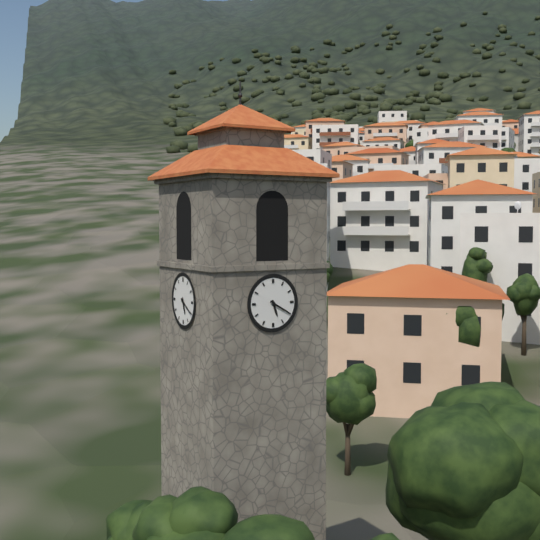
5:20
